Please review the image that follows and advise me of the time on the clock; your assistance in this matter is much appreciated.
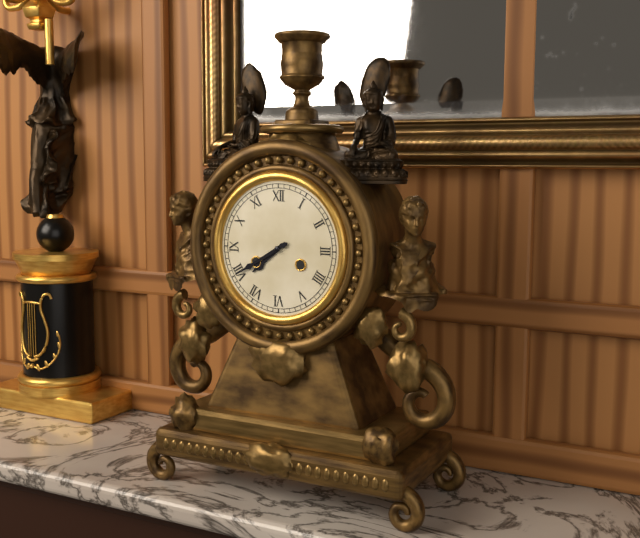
7:40
